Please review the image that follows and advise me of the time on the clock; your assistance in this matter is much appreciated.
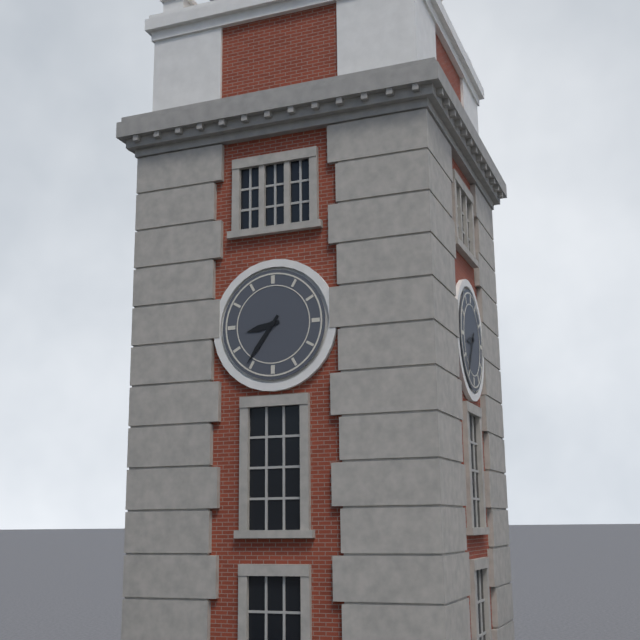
8:36
